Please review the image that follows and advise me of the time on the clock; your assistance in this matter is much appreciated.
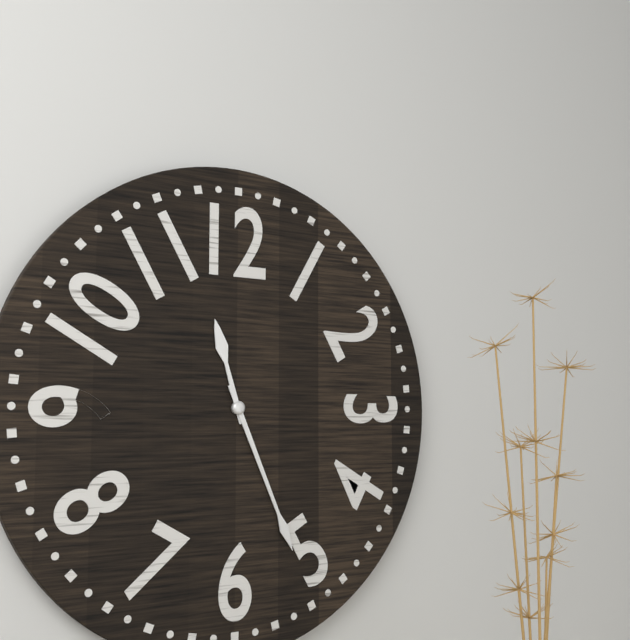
11:26
